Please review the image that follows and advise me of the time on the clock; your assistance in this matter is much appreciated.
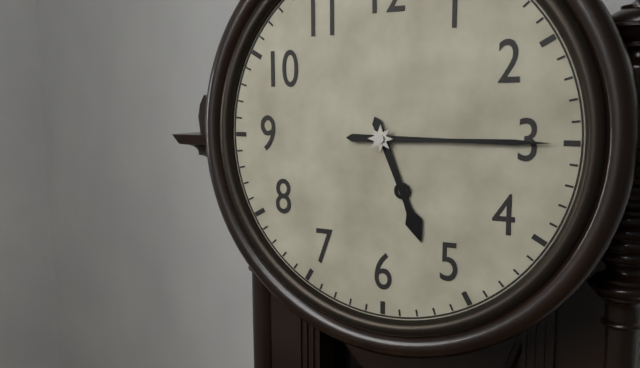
5:15
